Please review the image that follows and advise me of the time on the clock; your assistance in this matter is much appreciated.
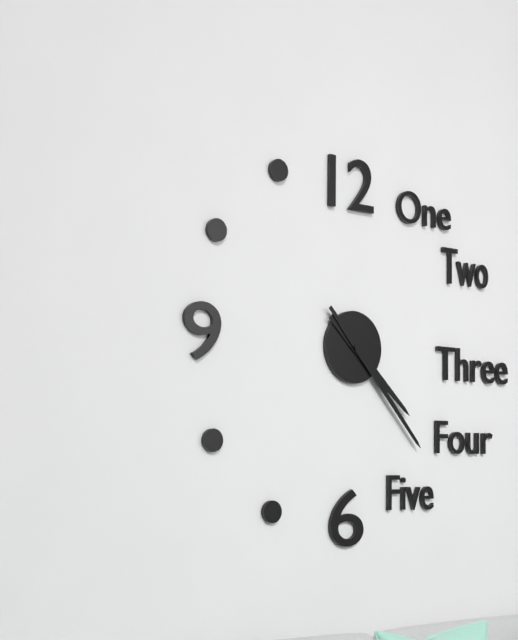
4:23
